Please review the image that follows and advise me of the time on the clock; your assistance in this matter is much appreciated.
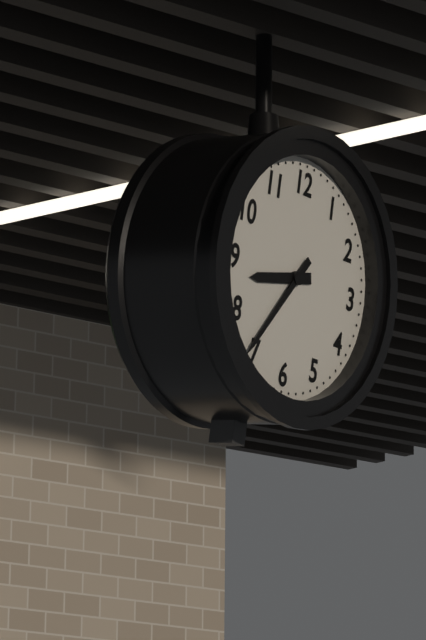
8:36
